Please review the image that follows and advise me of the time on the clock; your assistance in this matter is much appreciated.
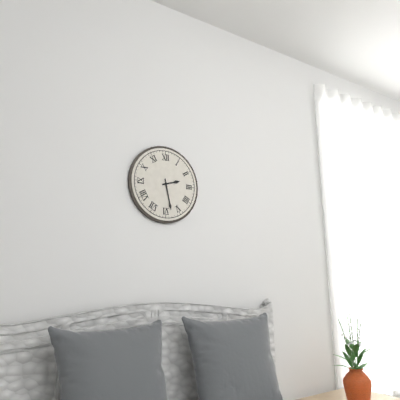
2:28
